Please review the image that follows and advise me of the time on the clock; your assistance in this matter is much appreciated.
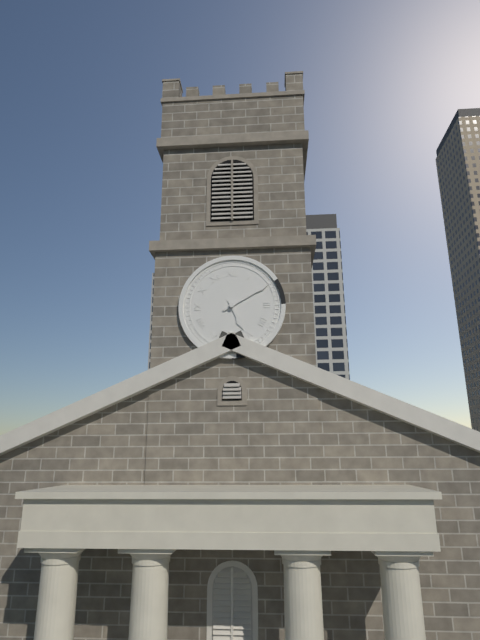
5:10
